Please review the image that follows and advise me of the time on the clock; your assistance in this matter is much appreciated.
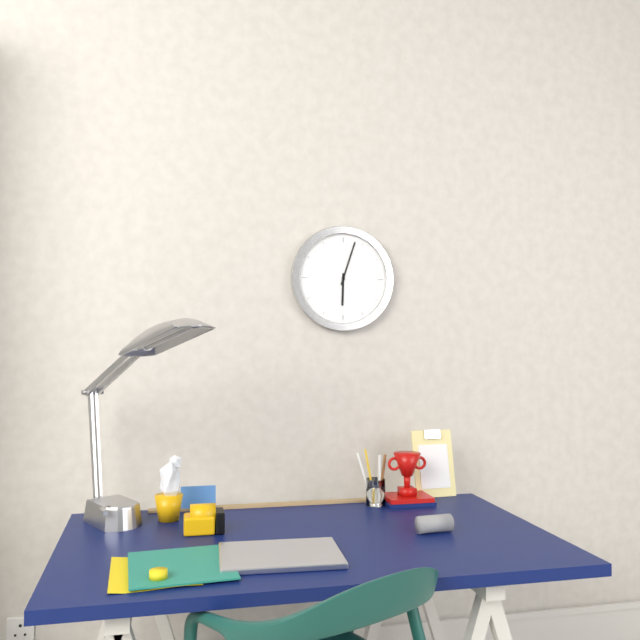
6:03
